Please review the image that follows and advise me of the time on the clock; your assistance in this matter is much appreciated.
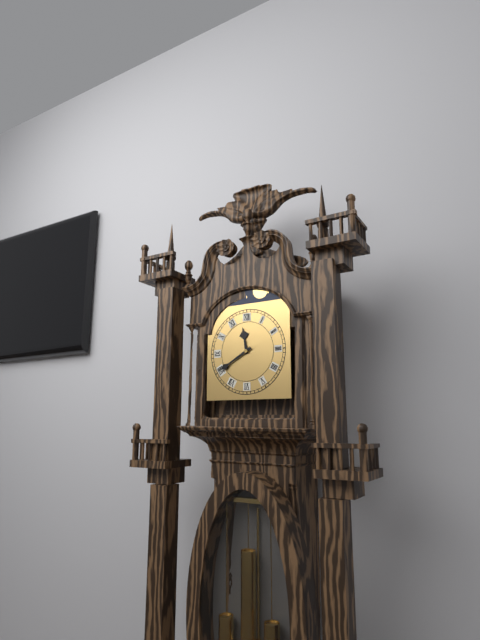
11:40
